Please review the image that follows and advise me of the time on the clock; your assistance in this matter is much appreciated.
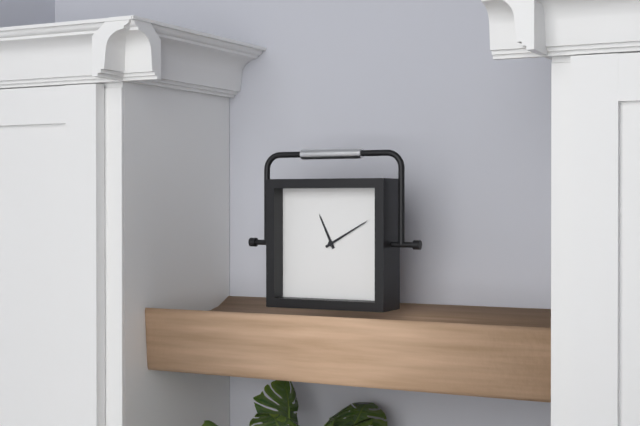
11:10
